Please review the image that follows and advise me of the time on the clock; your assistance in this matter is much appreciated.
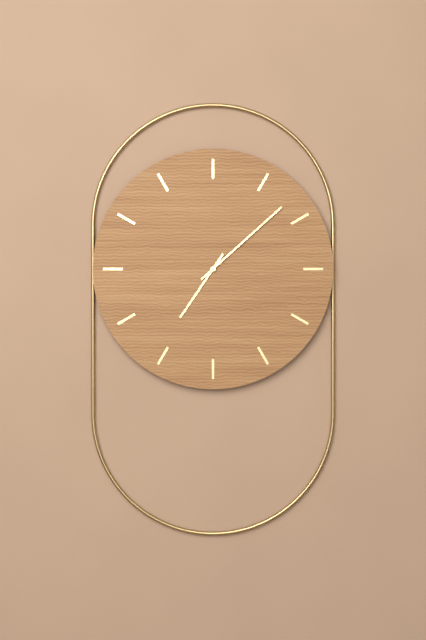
7:08
